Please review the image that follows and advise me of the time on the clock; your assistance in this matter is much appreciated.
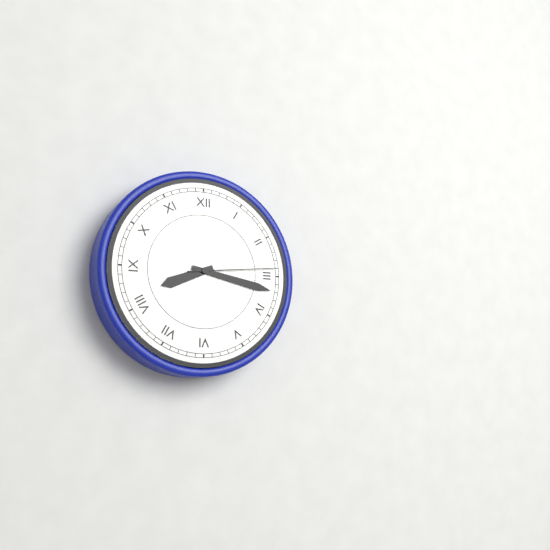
8:17:14
